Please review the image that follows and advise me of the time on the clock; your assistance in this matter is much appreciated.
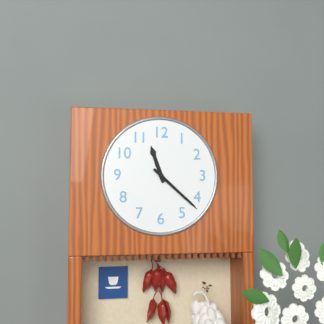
11:22
